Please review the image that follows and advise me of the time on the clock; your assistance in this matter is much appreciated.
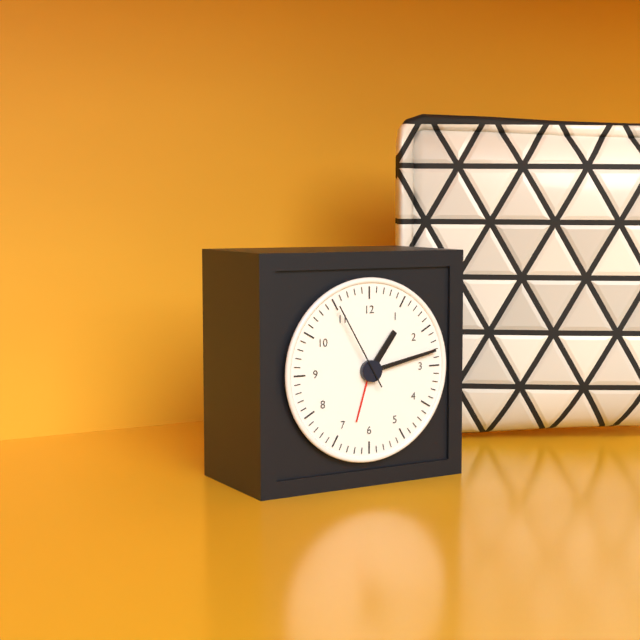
1:13:55
